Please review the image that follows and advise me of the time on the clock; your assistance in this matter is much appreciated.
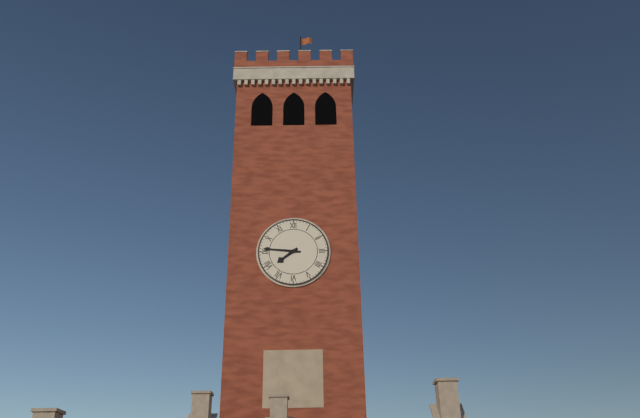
7:46
